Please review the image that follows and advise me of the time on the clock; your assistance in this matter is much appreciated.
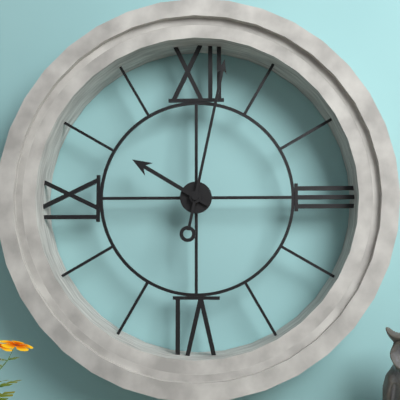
10:02
